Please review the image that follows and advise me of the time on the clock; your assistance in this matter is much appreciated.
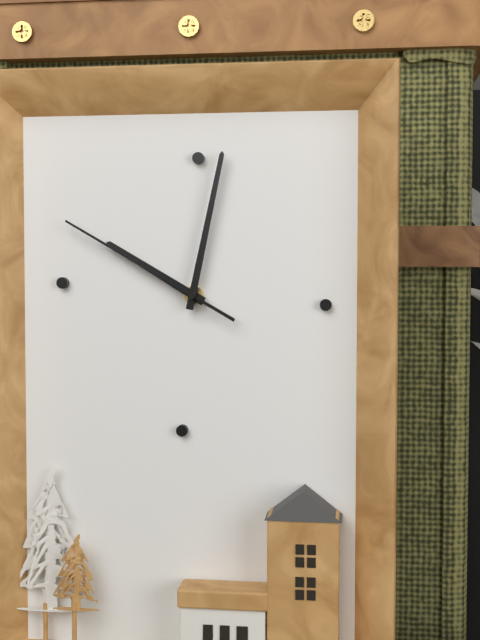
10:02:50
